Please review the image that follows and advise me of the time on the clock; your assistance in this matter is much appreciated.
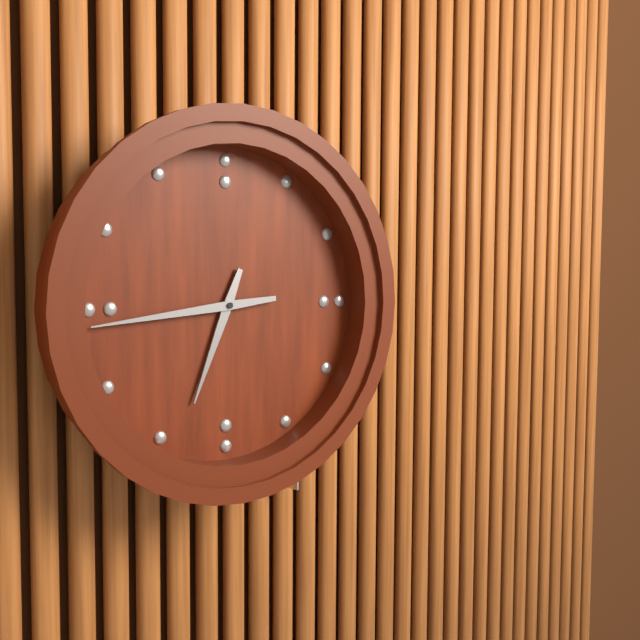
6:44
